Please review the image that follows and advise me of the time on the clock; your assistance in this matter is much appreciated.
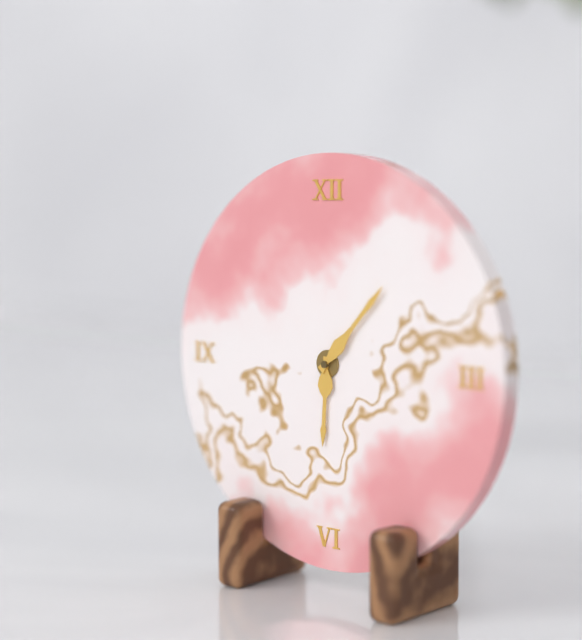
6:07
